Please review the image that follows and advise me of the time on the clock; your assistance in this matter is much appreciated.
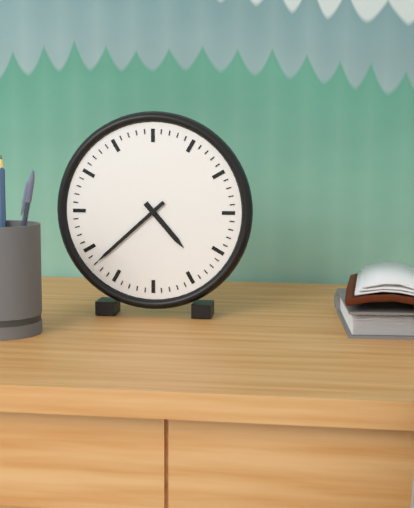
4:38
